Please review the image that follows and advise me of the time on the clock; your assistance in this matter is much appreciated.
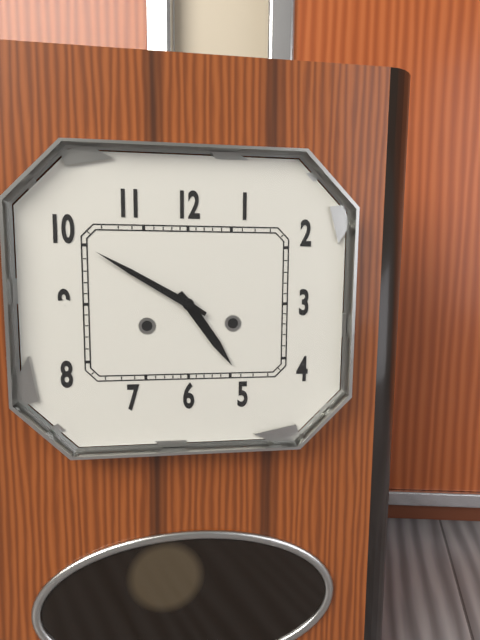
4:50
